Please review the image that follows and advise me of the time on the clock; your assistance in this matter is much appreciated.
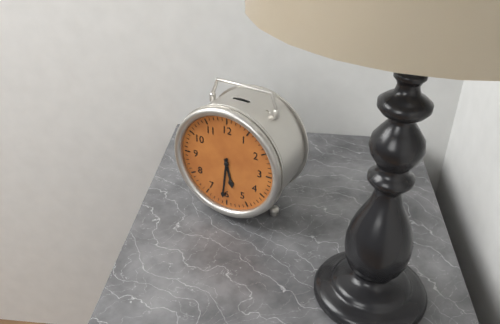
5:31
